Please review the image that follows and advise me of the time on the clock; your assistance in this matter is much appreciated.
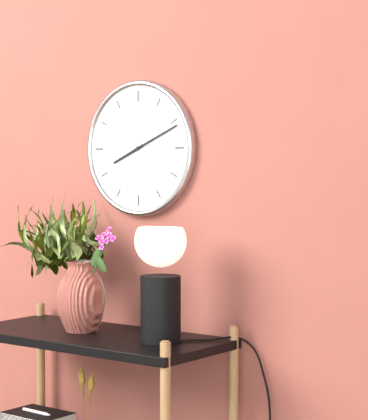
8:11
